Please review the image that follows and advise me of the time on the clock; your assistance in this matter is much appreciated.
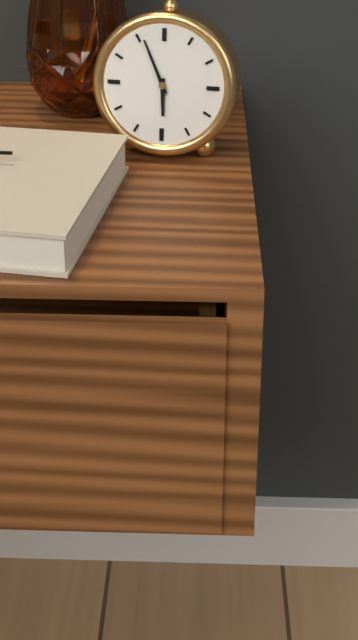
5:56
